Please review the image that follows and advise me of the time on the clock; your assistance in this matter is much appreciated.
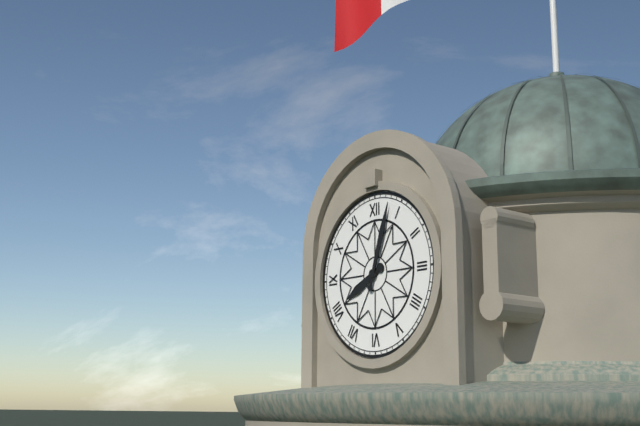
8:03
